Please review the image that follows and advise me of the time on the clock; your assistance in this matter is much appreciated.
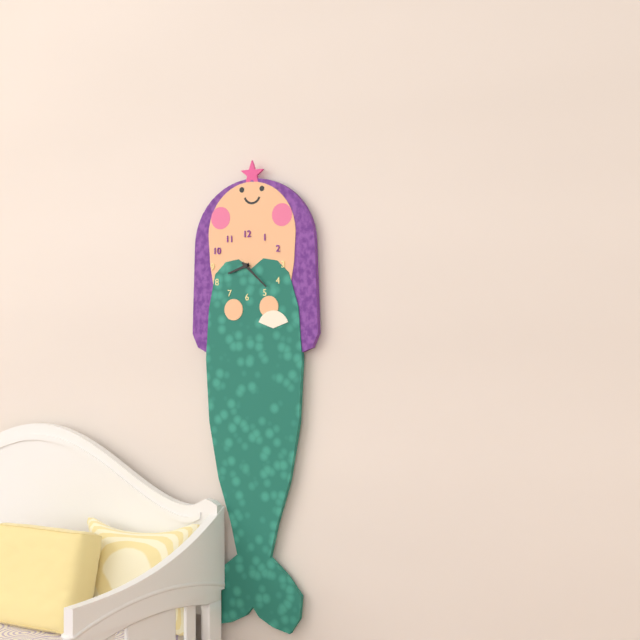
8:22
